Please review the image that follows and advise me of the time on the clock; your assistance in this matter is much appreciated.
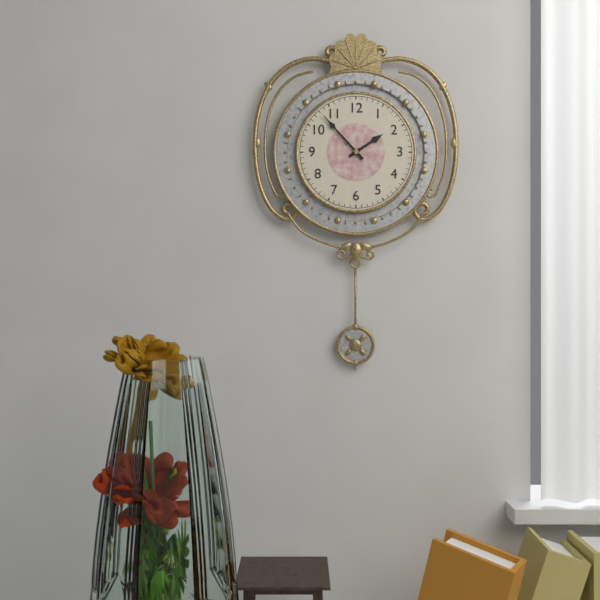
1:53
